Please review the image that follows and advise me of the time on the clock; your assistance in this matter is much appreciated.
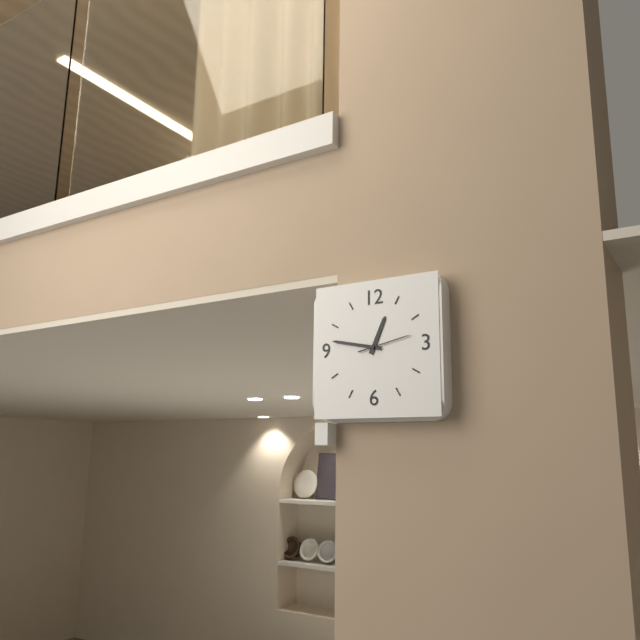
12:47
